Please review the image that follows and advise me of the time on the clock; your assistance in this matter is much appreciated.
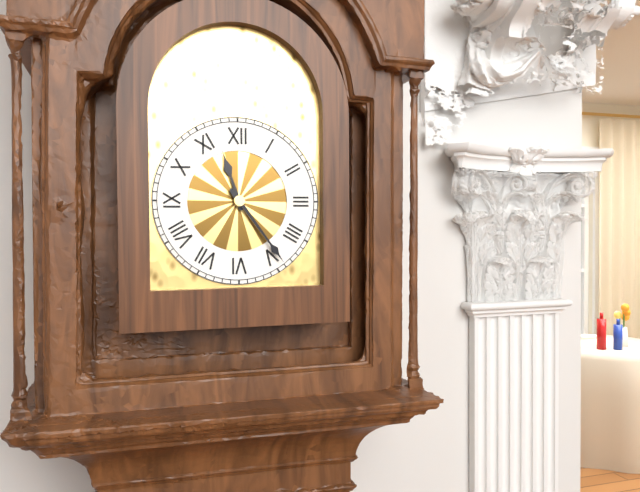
11:24
